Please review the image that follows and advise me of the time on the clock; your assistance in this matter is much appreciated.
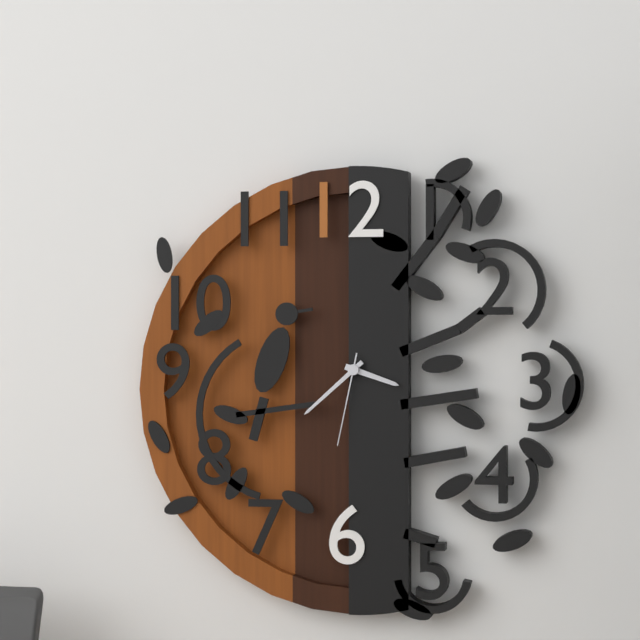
3:38:32
